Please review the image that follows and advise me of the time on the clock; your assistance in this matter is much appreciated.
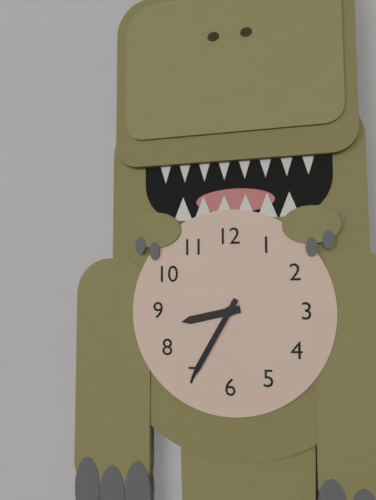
8:35
